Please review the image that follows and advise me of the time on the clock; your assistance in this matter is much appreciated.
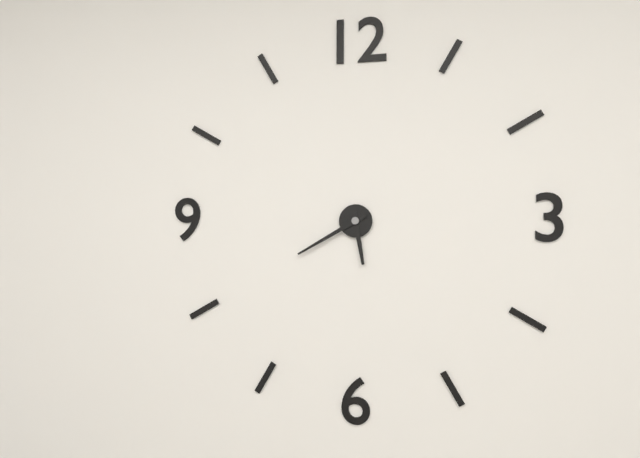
5:40
